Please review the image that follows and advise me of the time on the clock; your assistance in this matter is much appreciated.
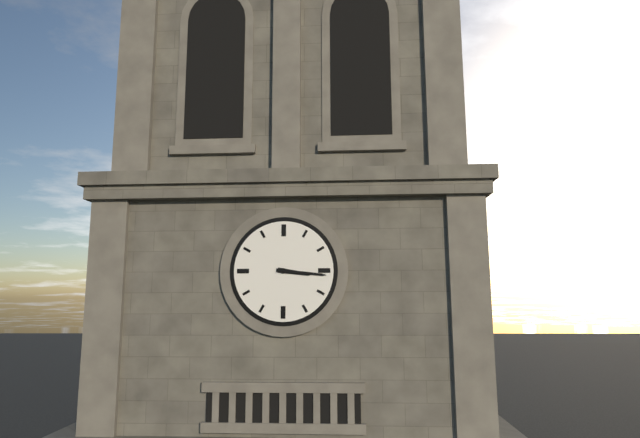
3:16
